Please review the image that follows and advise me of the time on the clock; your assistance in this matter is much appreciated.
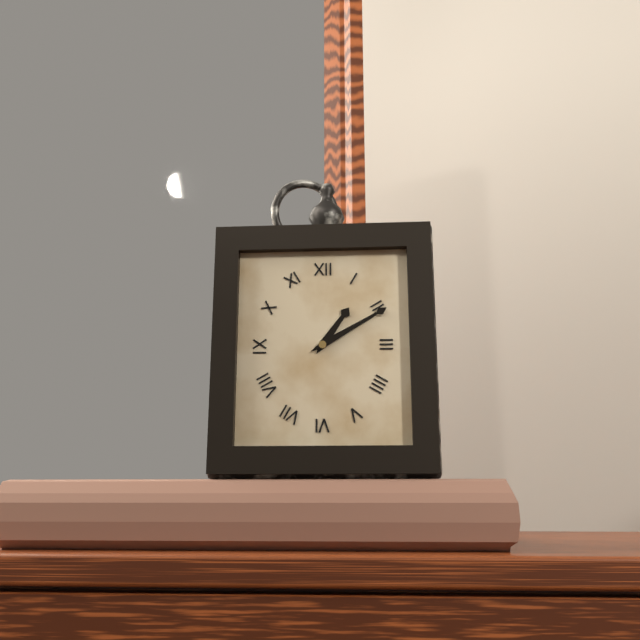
1:10
